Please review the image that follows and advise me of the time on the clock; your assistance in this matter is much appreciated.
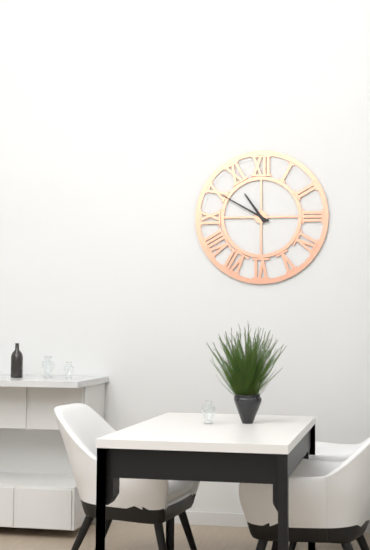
10:50
